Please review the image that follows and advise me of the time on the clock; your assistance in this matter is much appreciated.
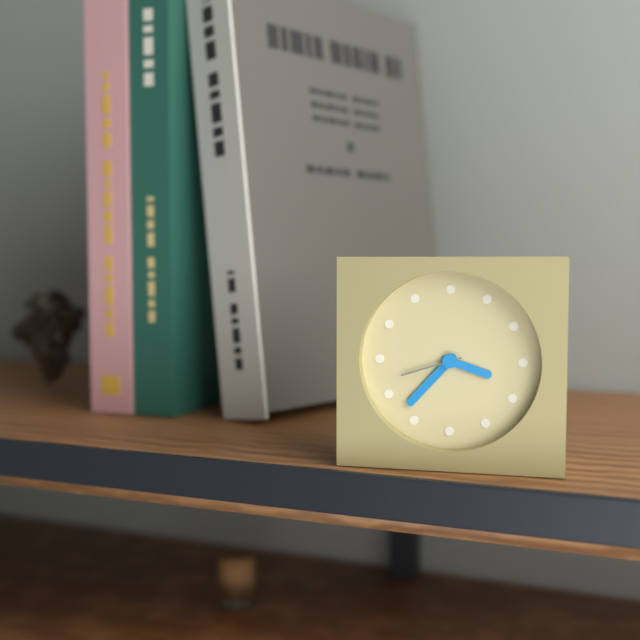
3:37:42
